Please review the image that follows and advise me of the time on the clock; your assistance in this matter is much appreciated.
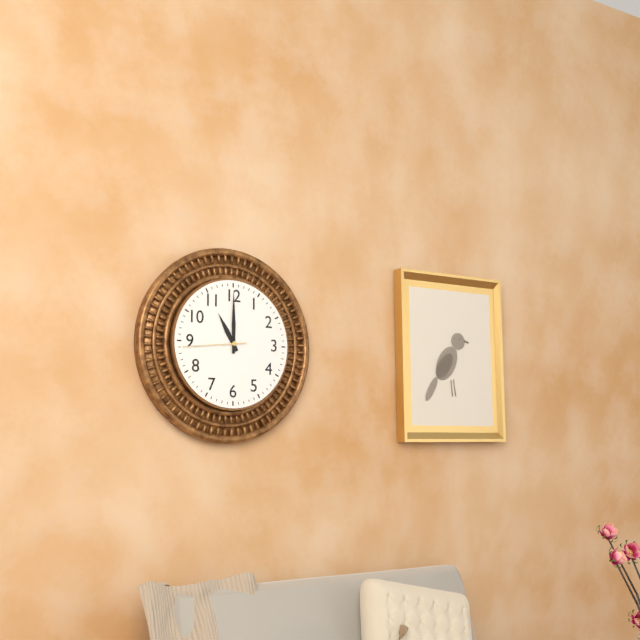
11:00:44
